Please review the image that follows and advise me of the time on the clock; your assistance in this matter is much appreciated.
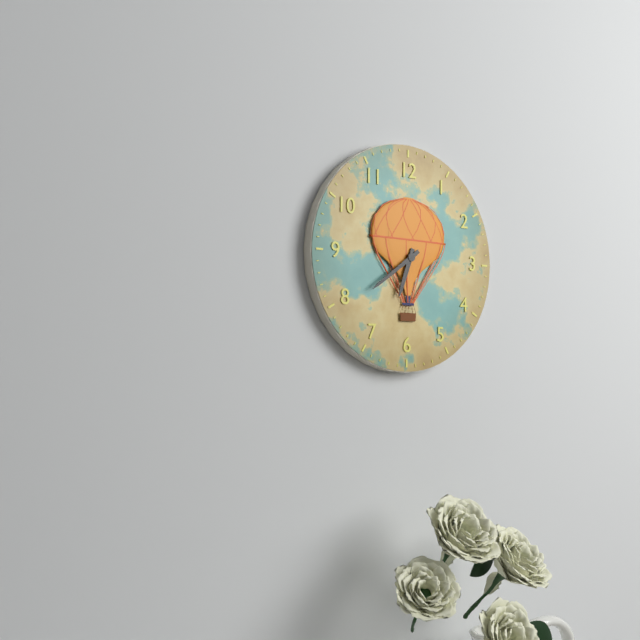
6:39
